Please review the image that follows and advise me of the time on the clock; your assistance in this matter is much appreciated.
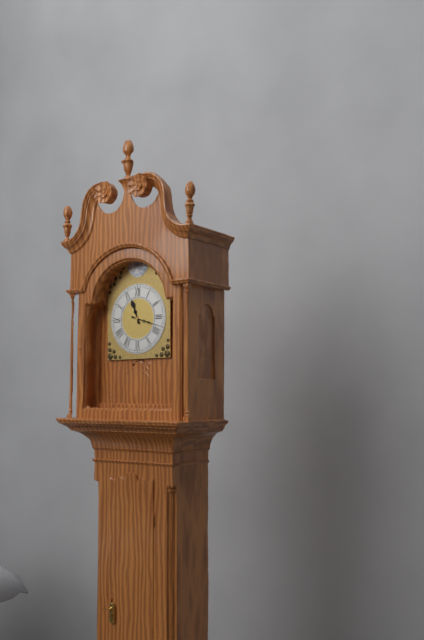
11:18
